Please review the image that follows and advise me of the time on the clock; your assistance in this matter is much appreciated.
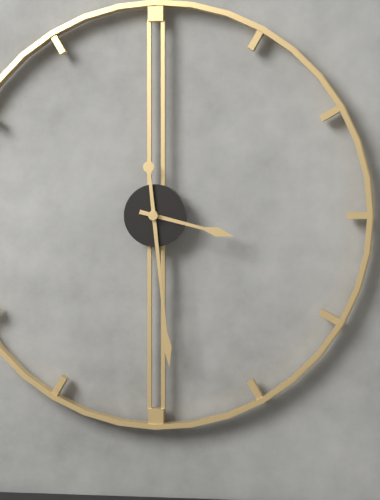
3:29
